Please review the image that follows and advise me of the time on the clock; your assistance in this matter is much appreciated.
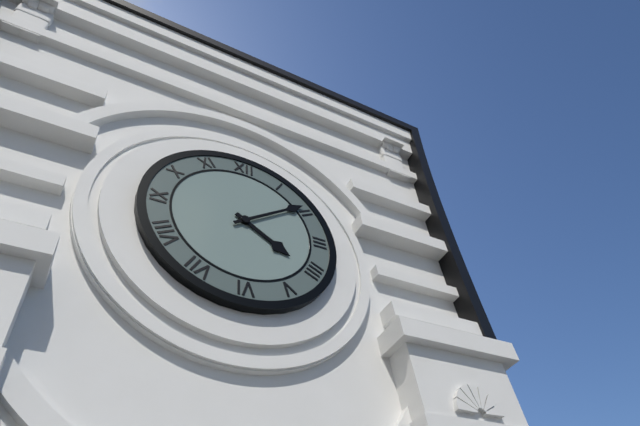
4:09
